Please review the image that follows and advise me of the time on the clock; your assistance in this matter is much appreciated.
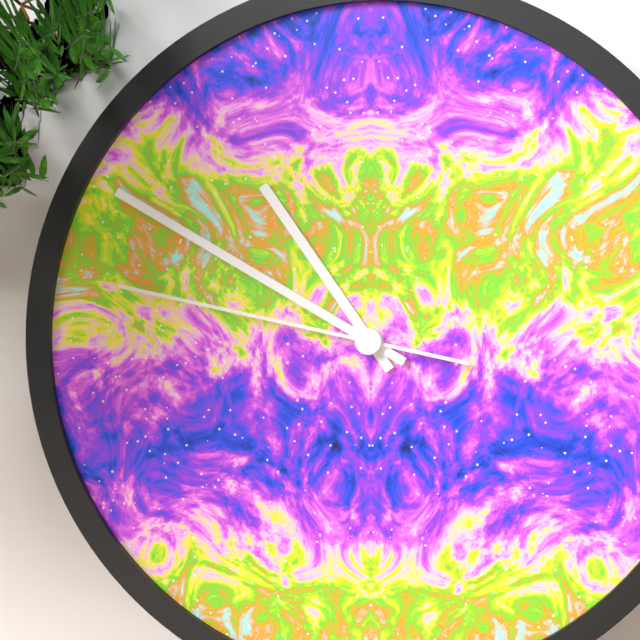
10:50:47
